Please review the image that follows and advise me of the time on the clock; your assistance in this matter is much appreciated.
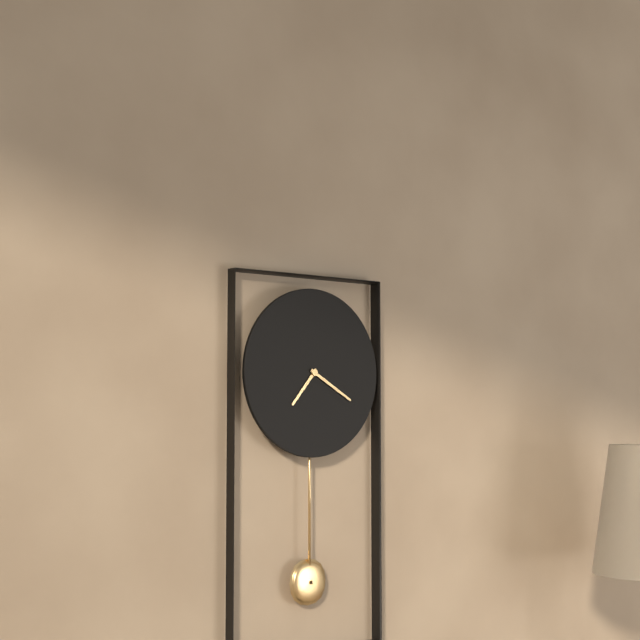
7:20
